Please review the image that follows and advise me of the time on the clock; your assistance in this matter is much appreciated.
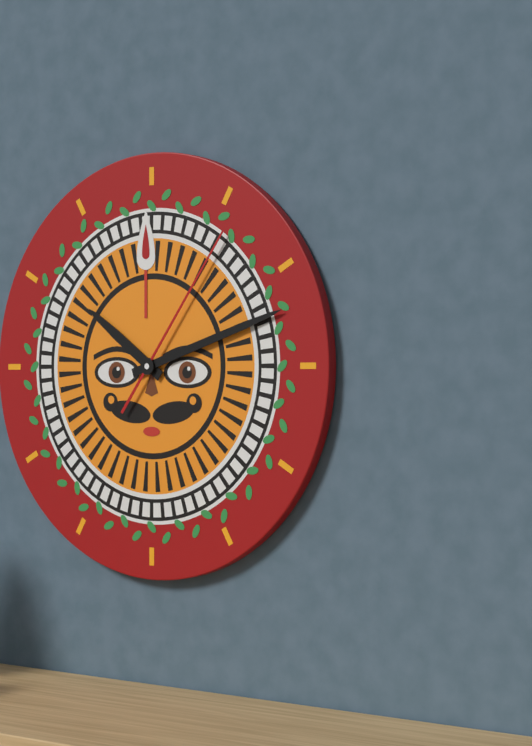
10:12:06
